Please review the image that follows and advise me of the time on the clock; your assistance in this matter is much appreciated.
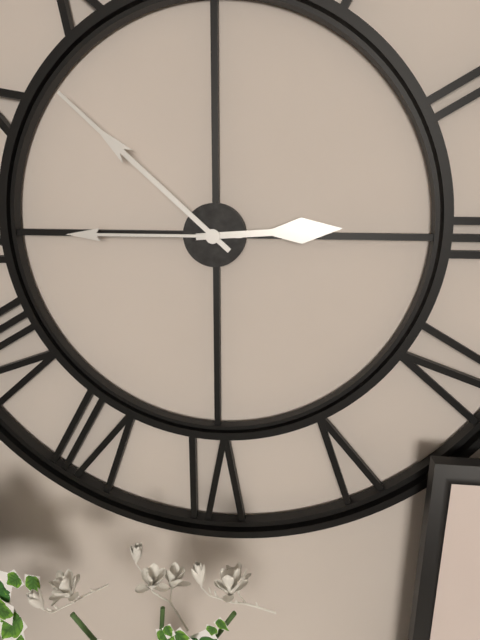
2:52:45
